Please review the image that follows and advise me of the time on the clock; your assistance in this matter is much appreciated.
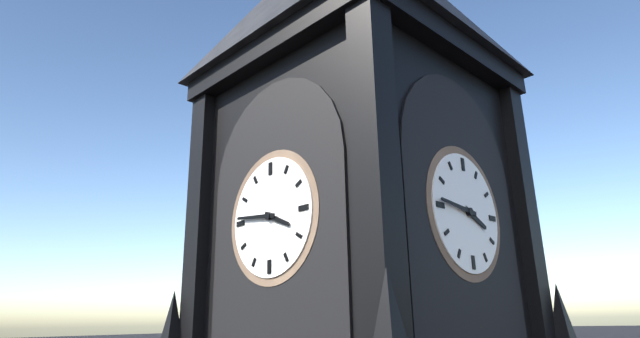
3:46
